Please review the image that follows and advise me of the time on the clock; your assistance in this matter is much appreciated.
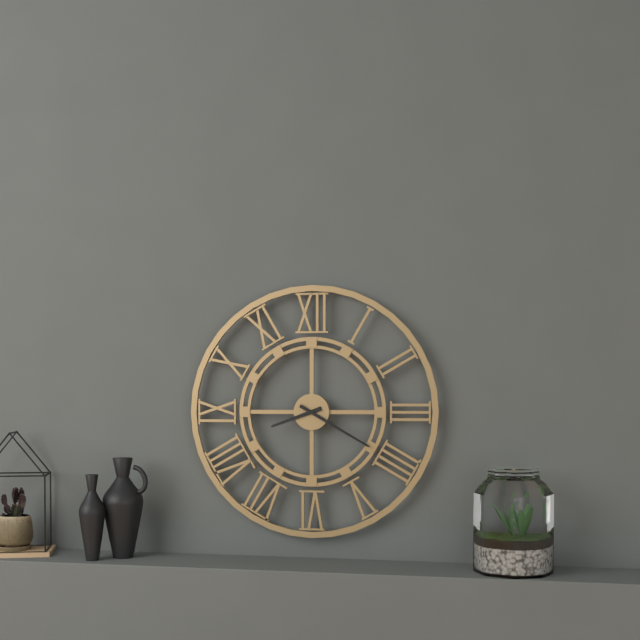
8:20
